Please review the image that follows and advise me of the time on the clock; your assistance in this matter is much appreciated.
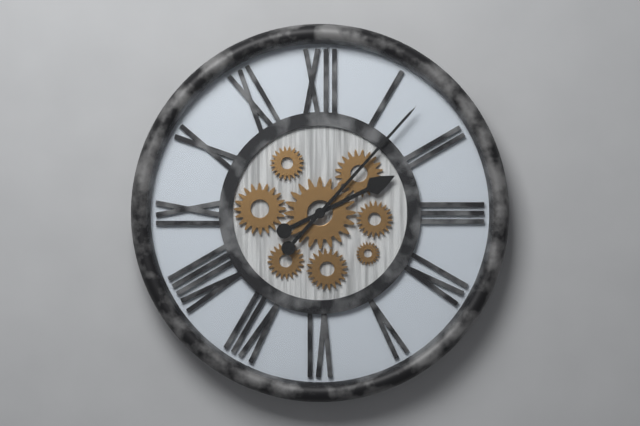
2:07
